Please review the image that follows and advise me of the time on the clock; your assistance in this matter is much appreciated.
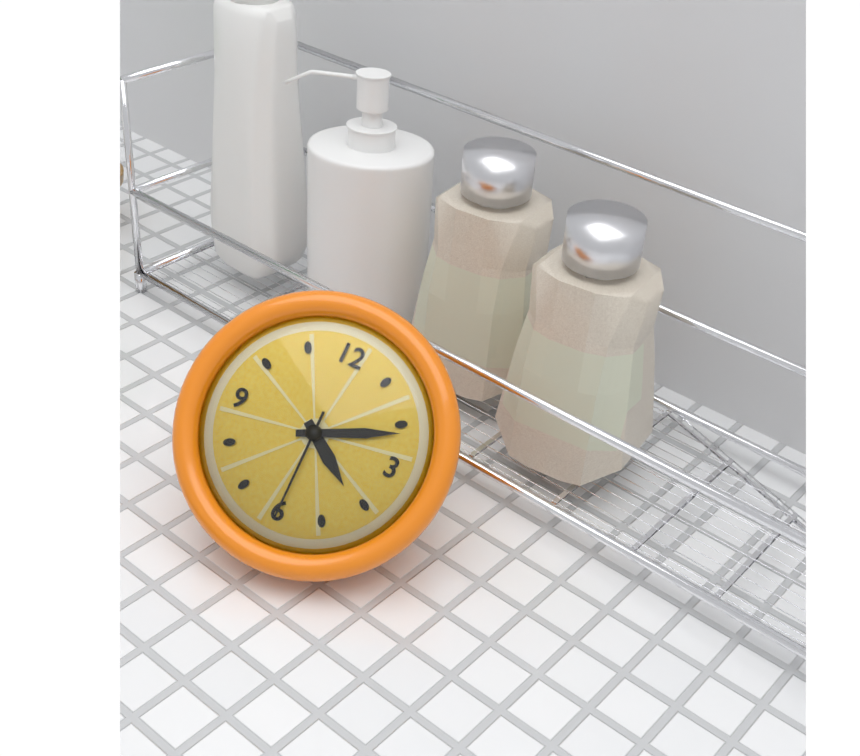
4:11:30
